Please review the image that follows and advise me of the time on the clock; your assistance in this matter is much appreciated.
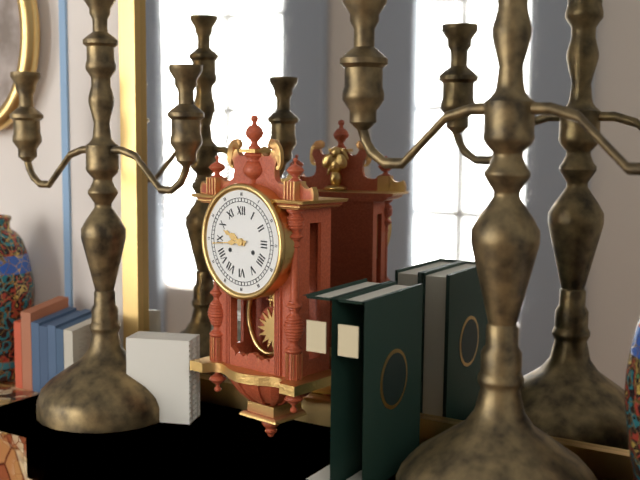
9:44
